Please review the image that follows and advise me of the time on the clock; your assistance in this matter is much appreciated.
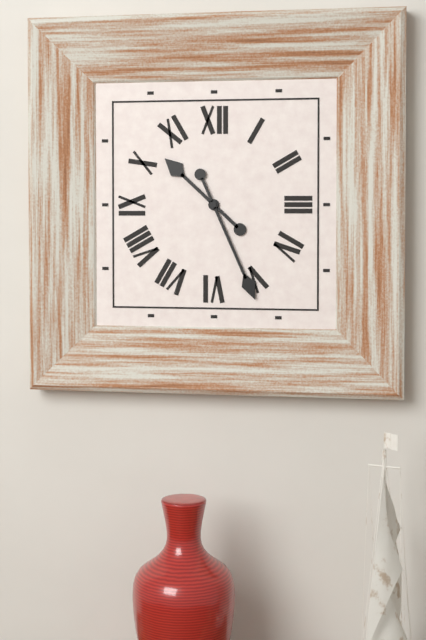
10:26
